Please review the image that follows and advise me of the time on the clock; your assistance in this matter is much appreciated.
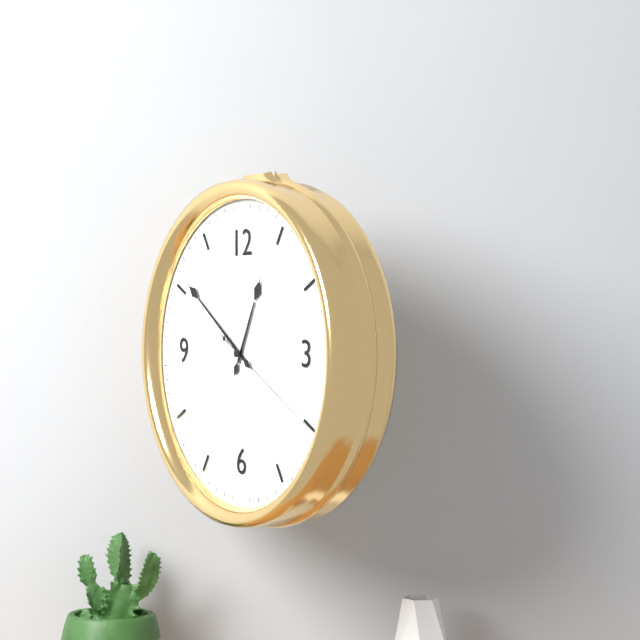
12:51:20
